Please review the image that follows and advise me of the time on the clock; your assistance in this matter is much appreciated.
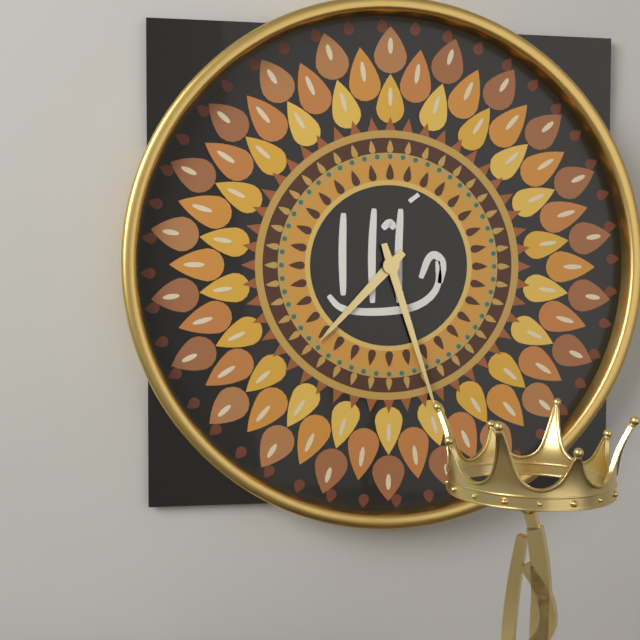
7:27
